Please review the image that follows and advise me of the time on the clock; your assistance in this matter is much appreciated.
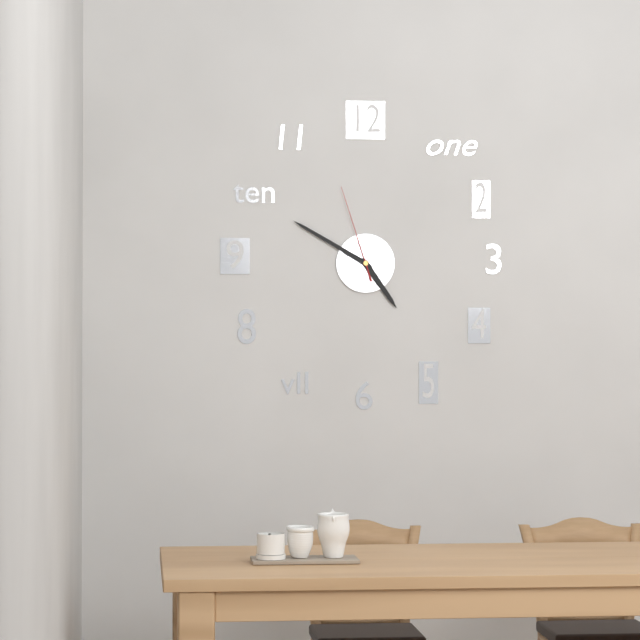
4:50:57
